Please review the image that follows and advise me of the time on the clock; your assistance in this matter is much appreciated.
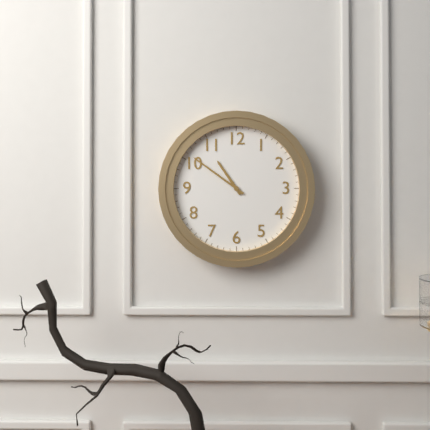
10:51
